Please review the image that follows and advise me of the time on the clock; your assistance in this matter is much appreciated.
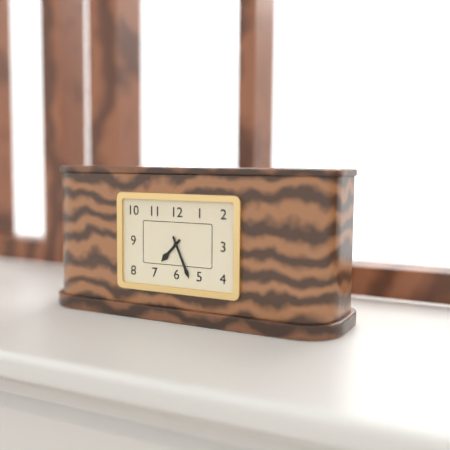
7:26
